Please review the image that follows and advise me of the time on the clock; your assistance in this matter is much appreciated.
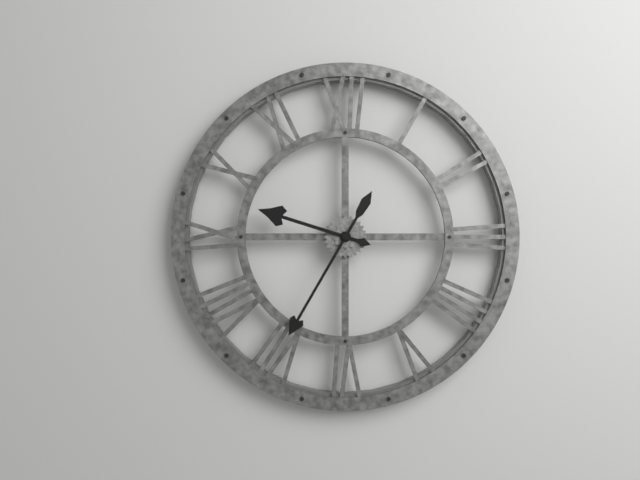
9:35
